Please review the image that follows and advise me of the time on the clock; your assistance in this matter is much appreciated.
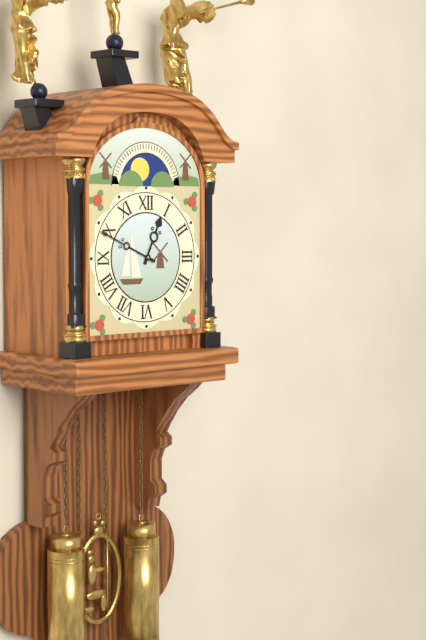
12:49
